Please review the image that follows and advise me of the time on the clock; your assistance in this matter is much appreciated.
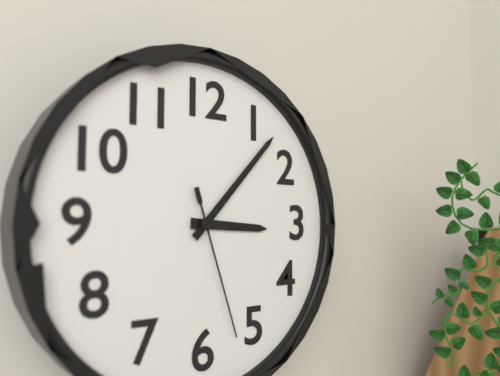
3:07:27
